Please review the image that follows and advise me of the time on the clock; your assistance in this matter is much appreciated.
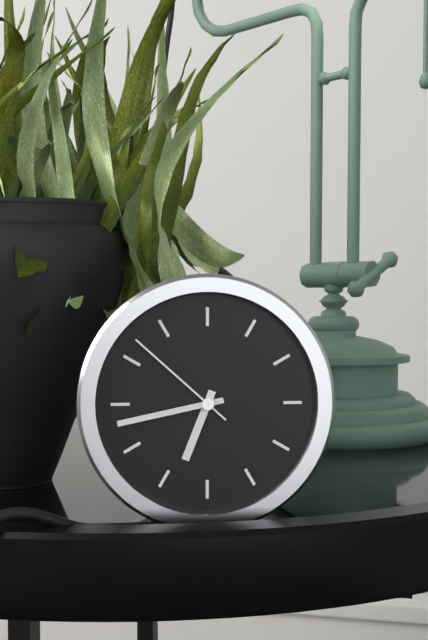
6:43:52
